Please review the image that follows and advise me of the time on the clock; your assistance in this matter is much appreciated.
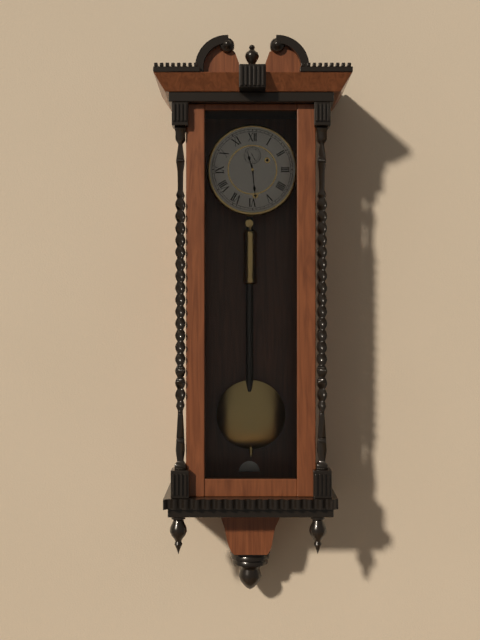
11:29
